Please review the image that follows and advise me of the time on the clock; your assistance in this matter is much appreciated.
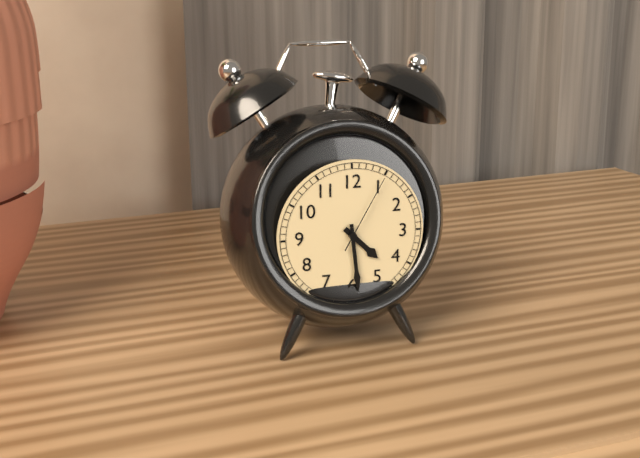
4:29:05
